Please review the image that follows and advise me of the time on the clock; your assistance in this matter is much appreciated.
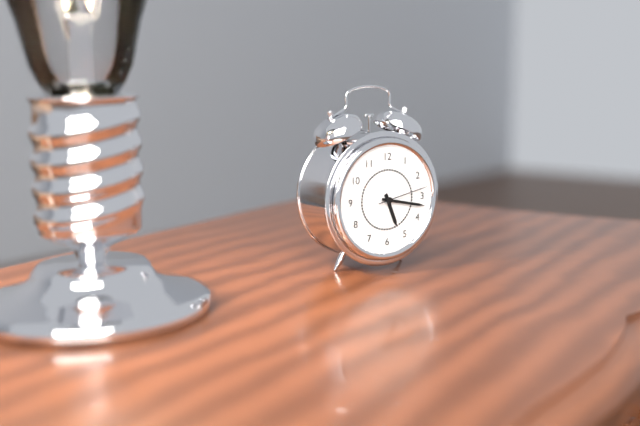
5:17:13
